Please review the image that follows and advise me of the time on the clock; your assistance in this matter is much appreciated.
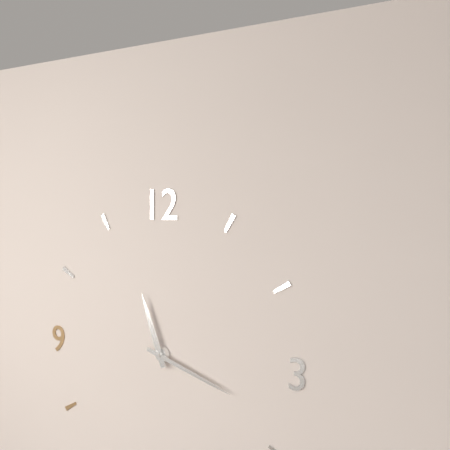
11:18
